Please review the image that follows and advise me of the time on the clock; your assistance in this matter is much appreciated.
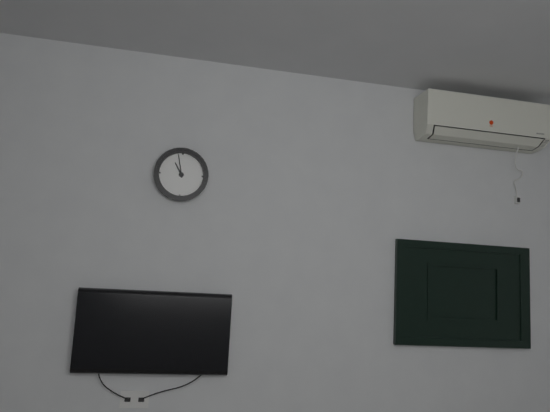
10:58
